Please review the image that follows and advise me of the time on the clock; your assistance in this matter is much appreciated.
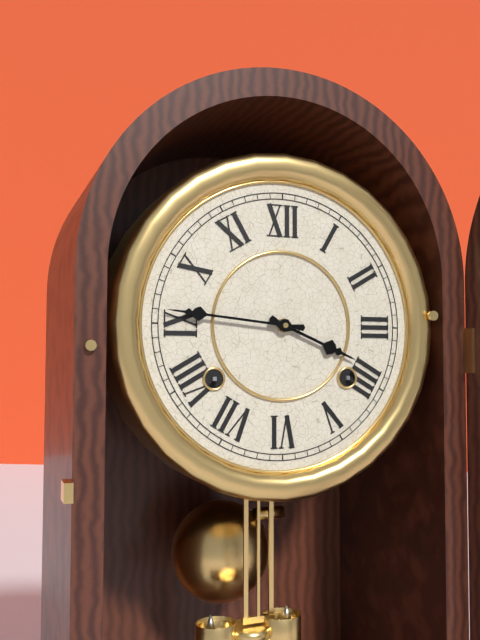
3:46
